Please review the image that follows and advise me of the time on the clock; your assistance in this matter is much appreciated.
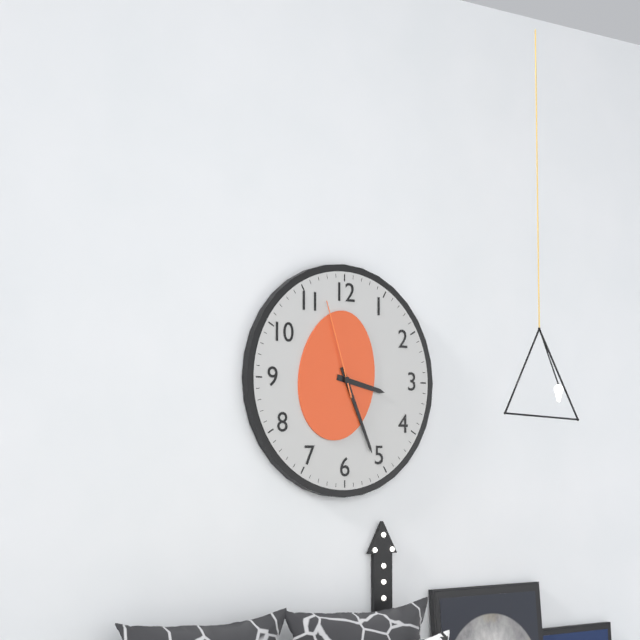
3:26:57
